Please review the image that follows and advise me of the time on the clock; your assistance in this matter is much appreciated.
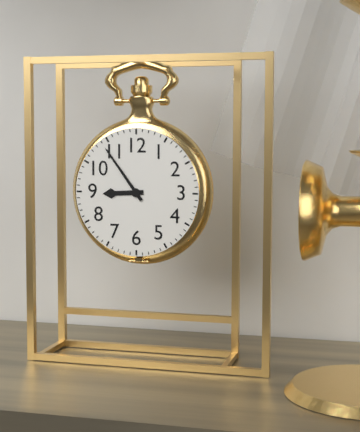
8:54
